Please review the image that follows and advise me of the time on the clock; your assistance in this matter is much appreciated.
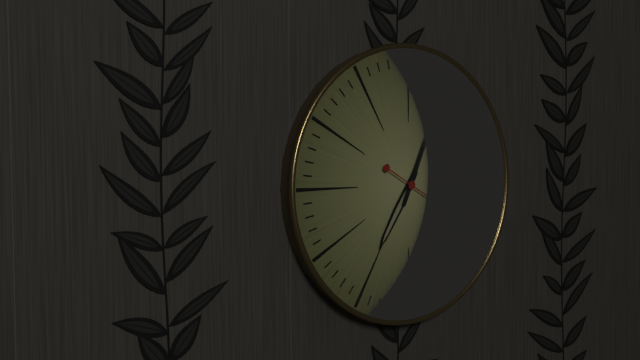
7:04:20
